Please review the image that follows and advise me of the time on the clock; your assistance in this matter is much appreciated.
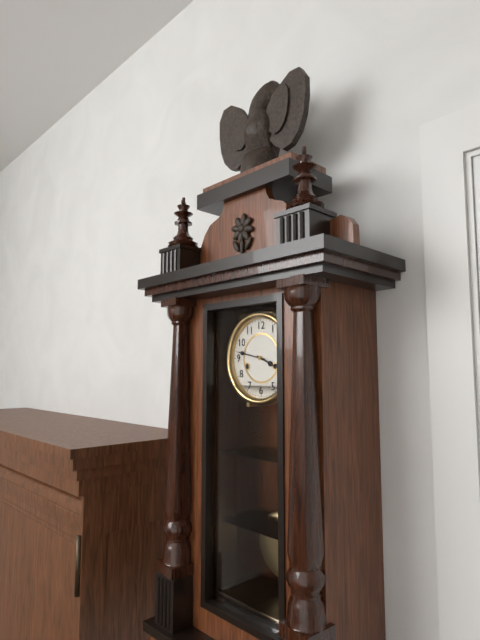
3:47
